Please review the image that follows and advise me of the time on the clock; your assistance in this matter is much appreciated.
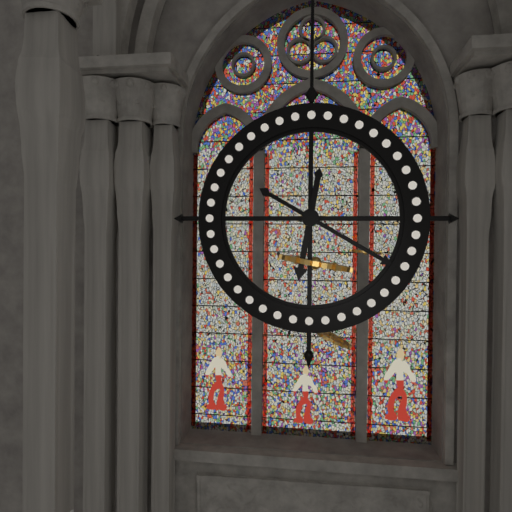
6:20
